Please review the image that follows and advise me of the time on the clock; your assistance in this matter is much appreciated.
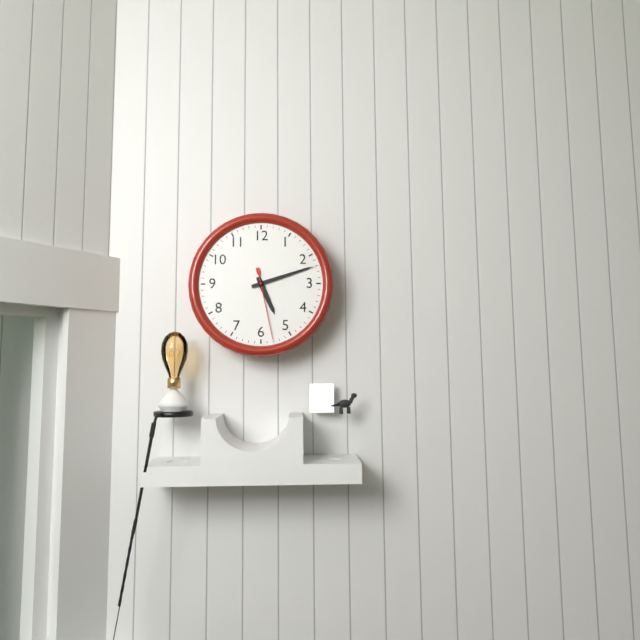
5:12:28
